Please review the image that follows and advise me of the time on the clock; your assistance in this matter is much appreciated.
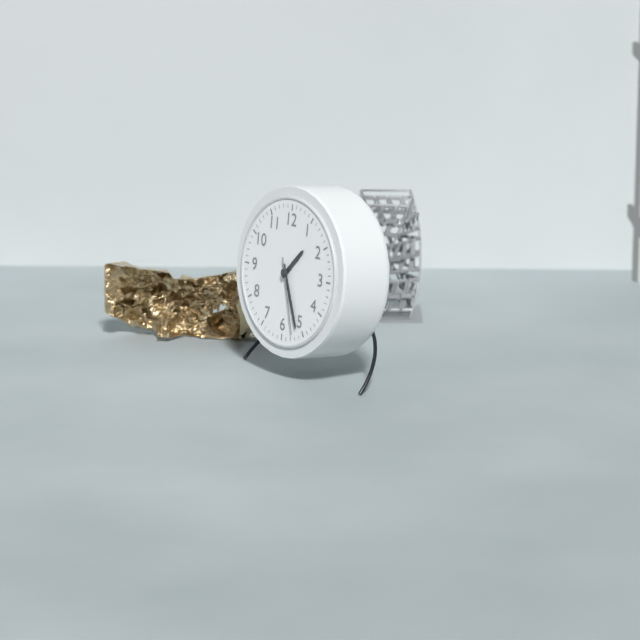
1:26:27
